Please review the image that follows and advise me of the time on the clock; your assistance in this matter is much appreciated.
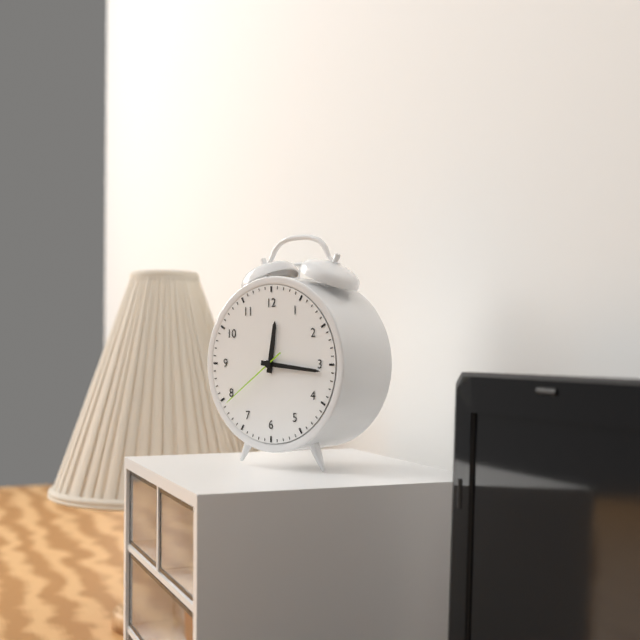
12:16:39
